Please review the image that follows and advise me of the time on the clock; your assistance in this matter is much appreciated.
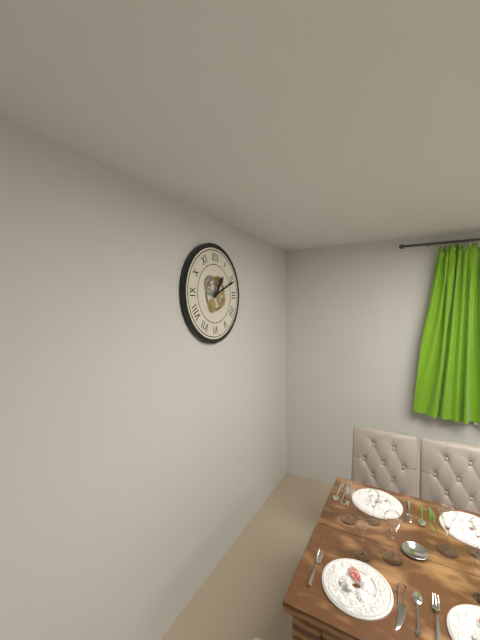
1:11
